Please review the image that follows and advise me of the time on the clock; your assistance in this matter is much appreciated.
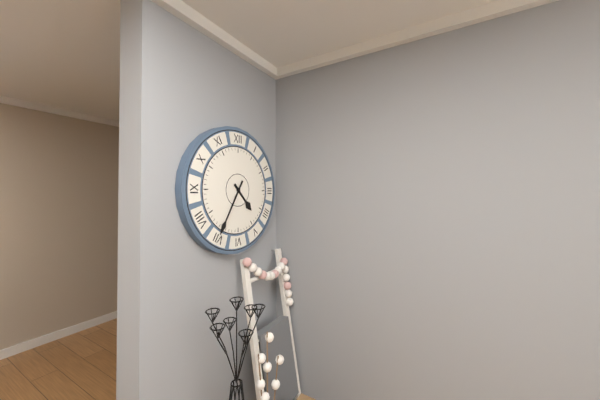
4:35
